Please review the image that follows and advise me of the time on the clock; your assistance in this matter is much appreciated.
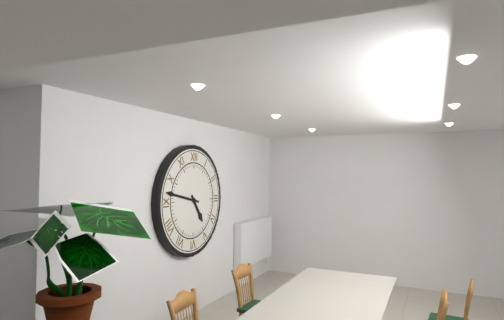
4:47
